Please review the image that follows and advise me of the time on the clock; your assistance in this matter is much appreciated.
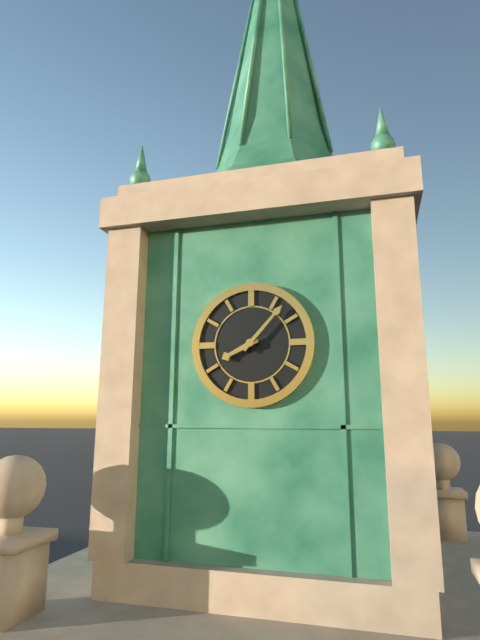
8:07
